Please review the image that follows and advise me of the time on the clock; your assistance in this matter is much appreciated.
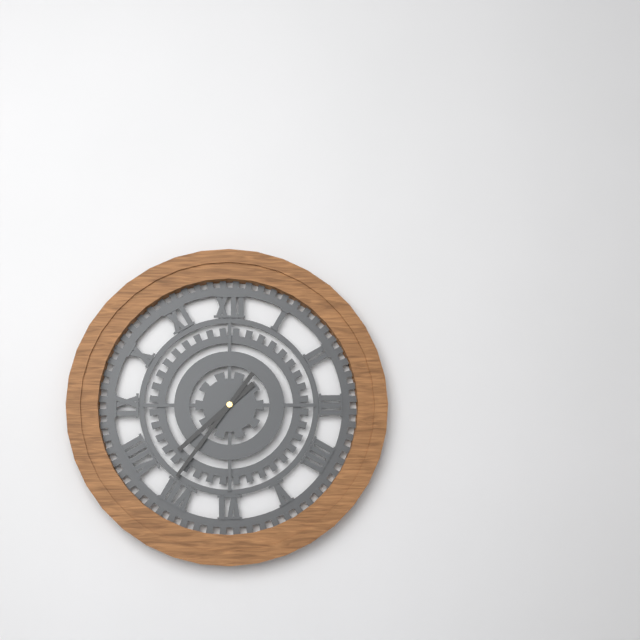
7:36
